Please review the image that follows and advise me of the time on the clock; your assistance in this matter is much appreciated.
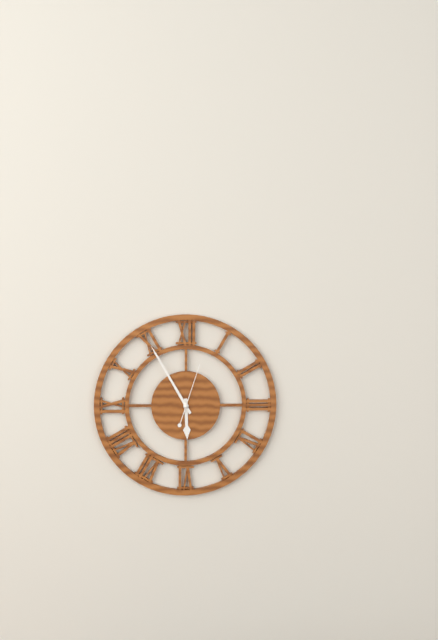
5:55:03
